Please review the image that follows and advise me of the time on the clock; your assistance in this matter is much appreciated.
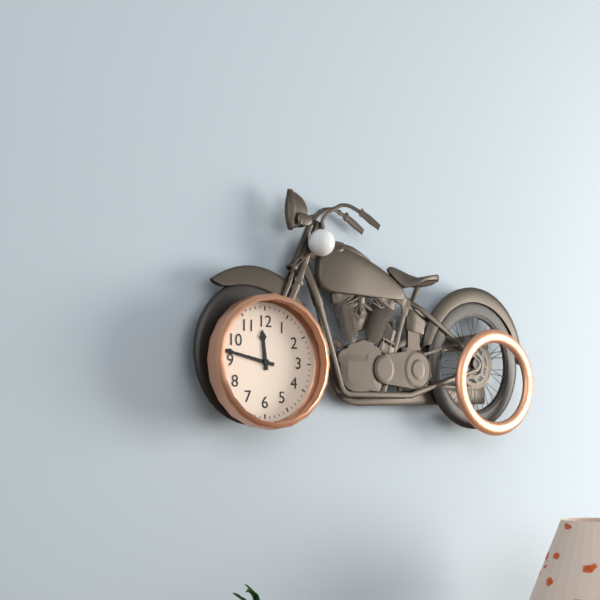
11:47
